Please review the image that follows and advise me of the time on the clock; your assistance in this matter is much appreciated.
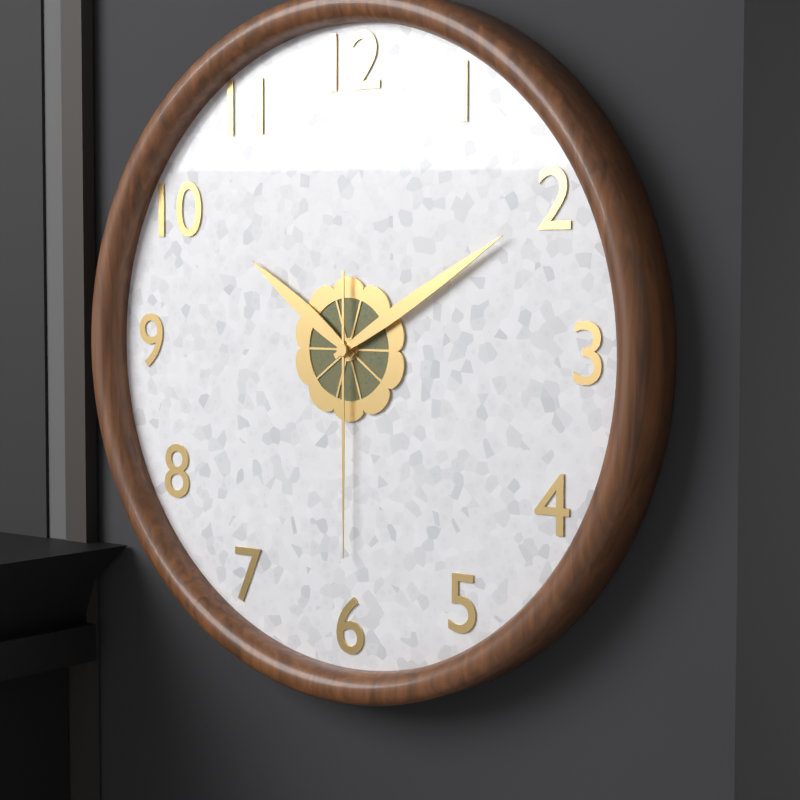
10:10:30
